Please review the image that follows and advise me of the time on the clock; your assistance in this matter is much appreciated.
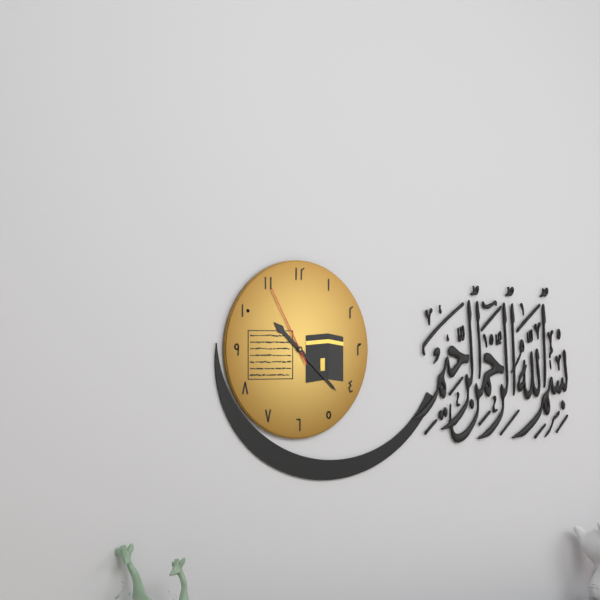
10:22:55
